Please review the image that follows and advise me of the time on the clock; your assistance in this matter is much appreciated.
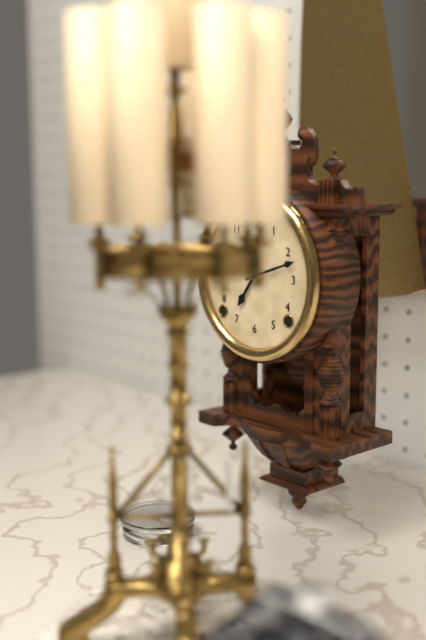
7:12
